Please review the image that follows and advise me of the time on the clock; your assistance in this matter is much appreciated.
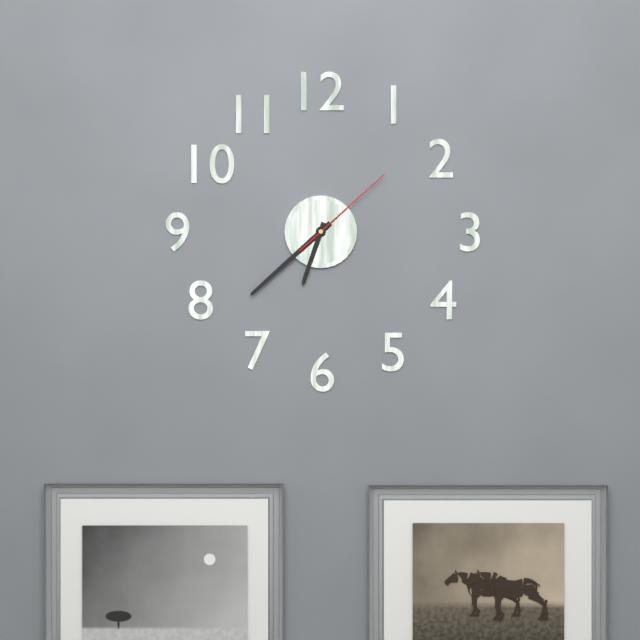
6:38:08
